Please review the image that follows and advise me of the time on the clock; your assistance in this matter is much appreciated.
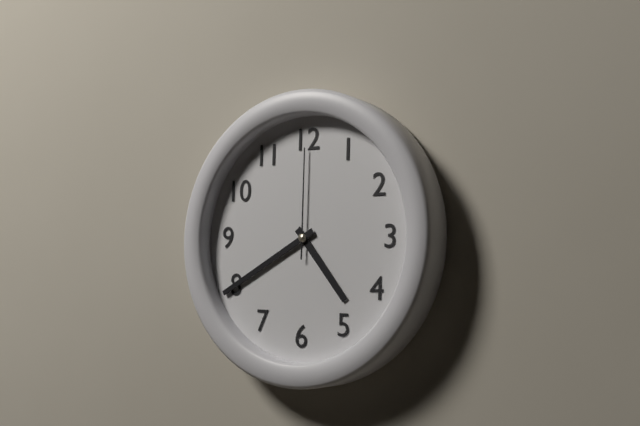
4:40:00
